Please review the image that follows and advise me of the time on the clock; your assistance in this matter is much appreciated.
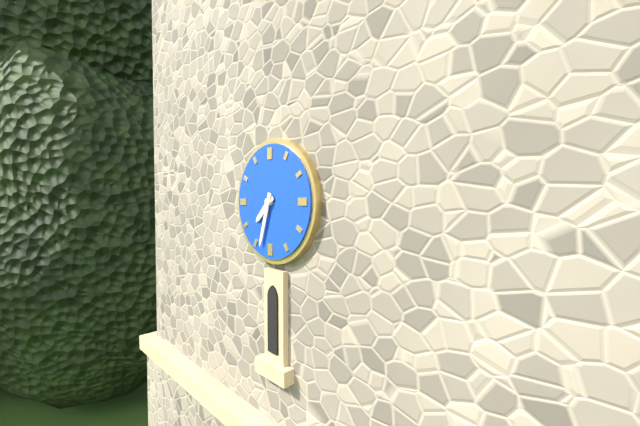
7:33
